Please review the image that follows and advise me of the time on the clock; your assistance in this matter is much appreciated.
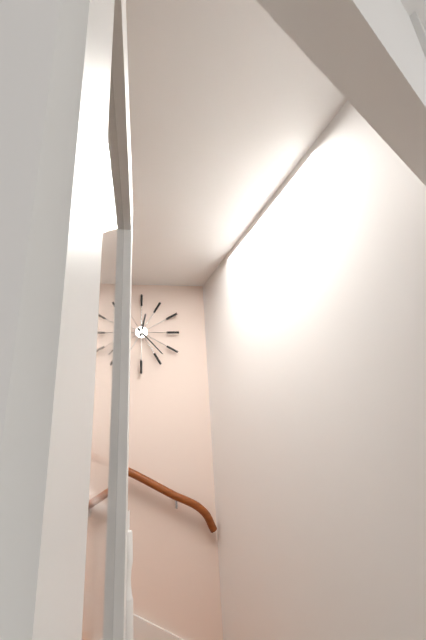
12:23
